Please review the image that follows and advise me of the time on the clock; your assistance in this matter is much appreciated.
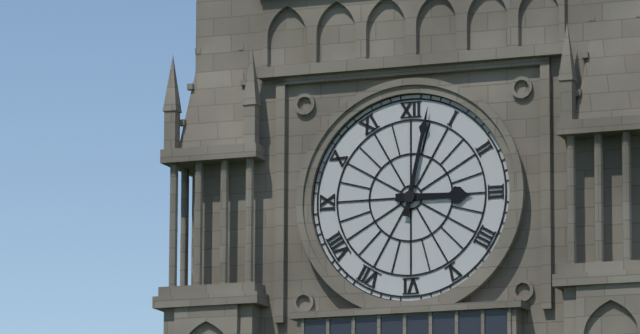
3:02
